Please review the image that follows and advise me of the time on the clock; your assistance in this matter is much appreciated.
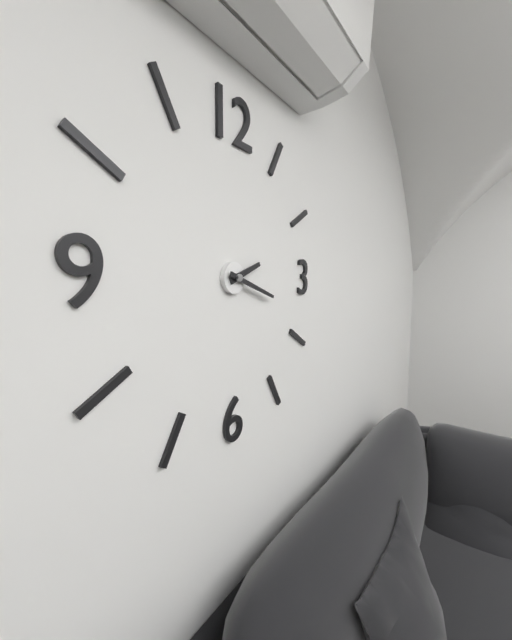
2:18
